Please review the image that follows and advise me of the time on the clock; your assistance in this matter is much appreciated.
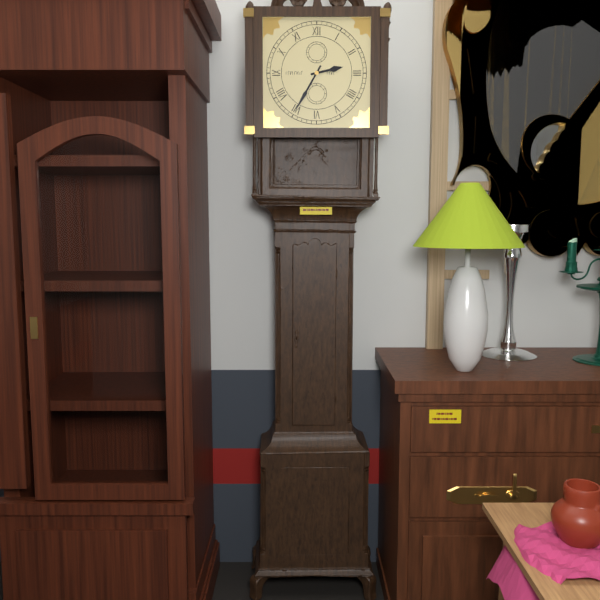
2:35
